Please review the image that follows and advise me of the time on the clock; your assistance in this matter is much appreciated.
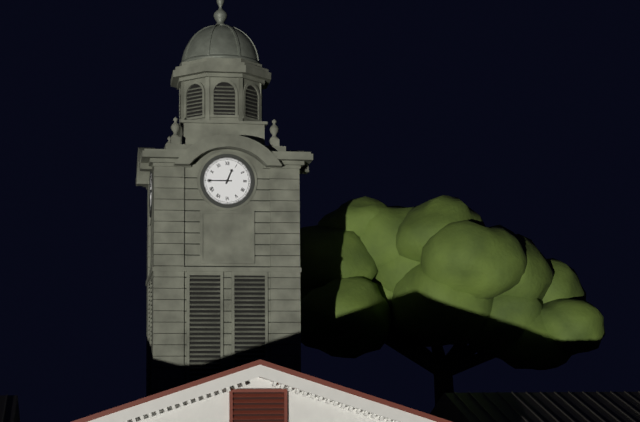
12:45
